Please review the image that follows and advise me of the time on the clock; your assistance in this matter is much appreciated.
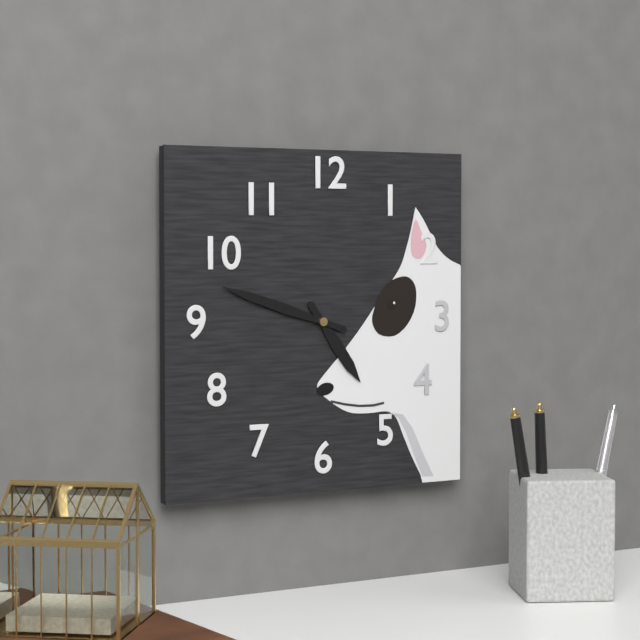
4:48
